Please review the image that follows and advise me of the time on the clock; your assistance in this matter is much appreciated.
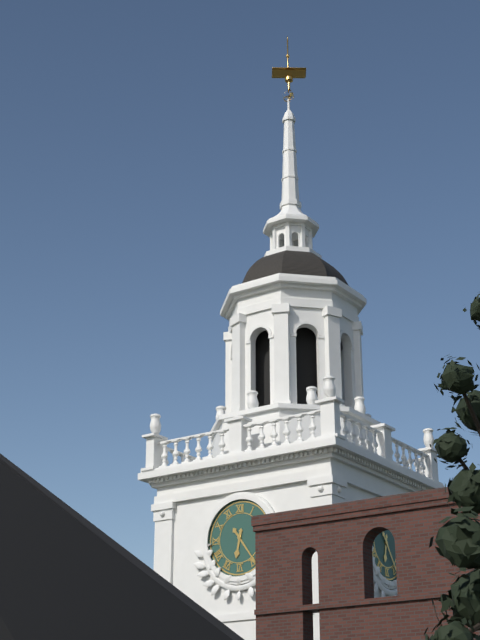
6:24
